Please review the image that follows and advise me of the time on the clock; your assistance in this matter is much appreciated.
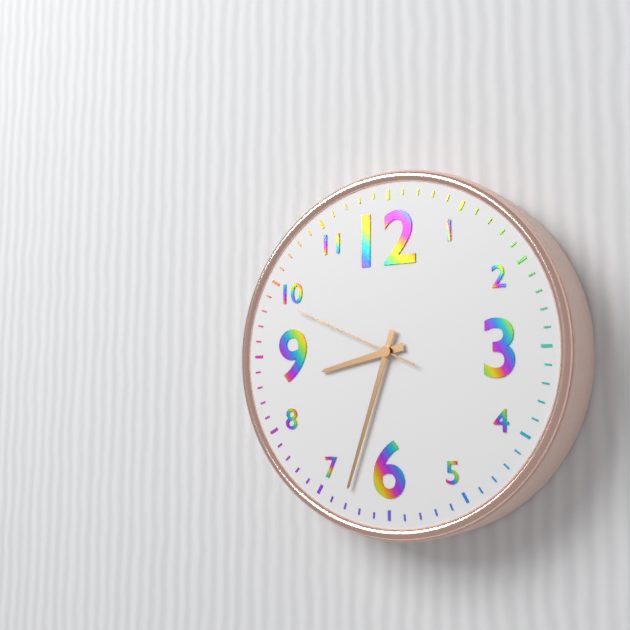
8:33:49
